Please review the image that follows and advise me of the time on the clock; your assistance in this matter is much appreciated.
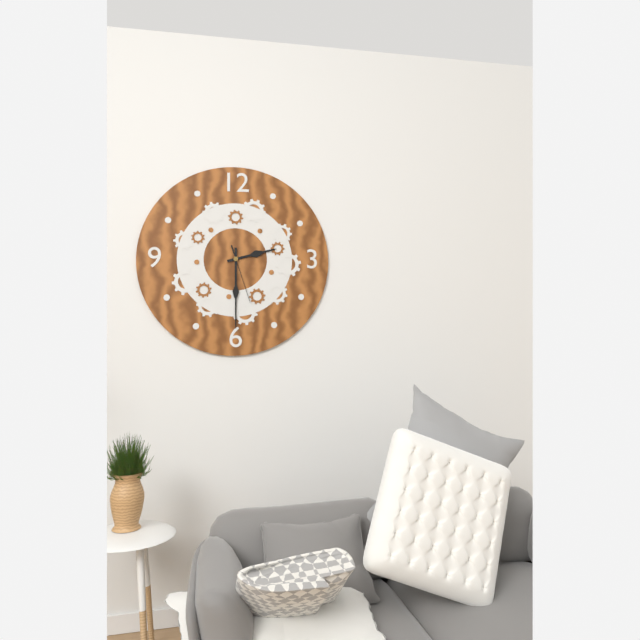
2:30:27
